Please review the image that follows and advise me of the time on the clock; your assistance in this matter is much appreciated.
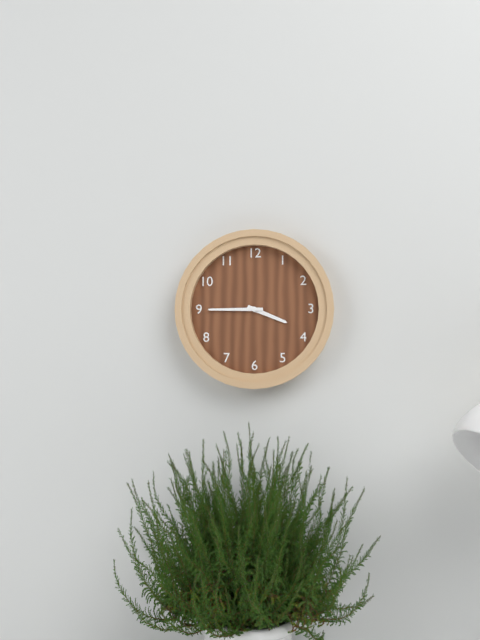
3:45
